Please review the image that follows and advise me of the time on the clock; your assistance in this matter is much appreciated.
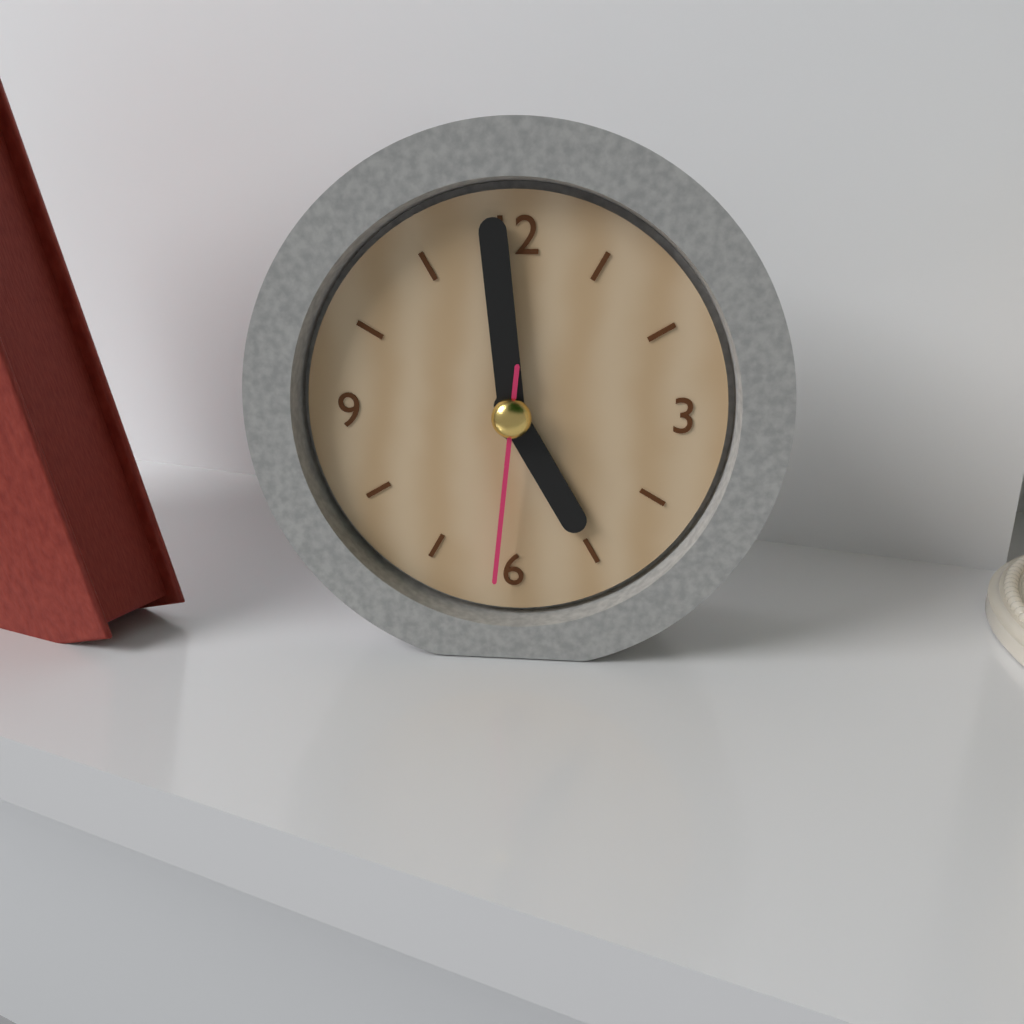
4:59:31
